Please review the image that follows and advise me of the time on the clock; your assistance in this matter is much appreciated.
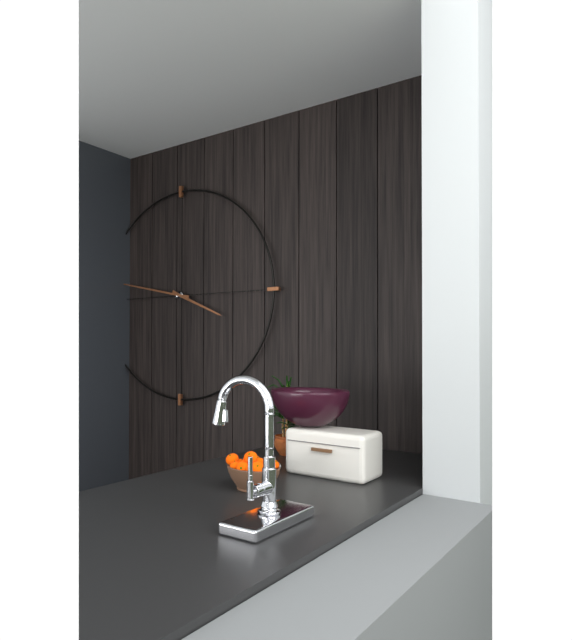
3:47
